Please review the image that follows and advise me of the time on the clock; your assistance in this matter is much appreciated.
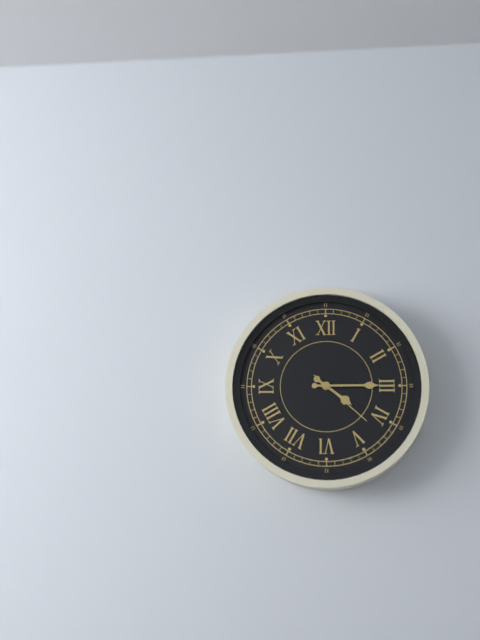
4:15:22
